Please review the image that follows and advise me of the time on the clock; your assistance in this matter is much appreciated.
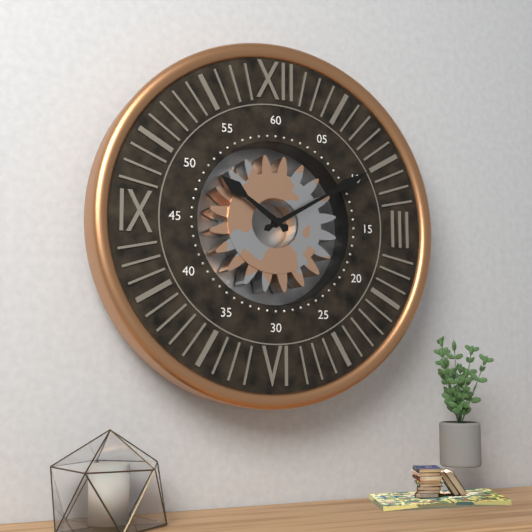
10:10
